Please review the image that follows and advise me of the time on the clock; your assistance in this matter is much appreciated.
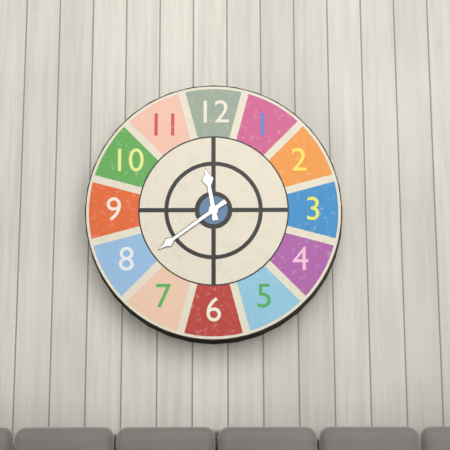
11:39
